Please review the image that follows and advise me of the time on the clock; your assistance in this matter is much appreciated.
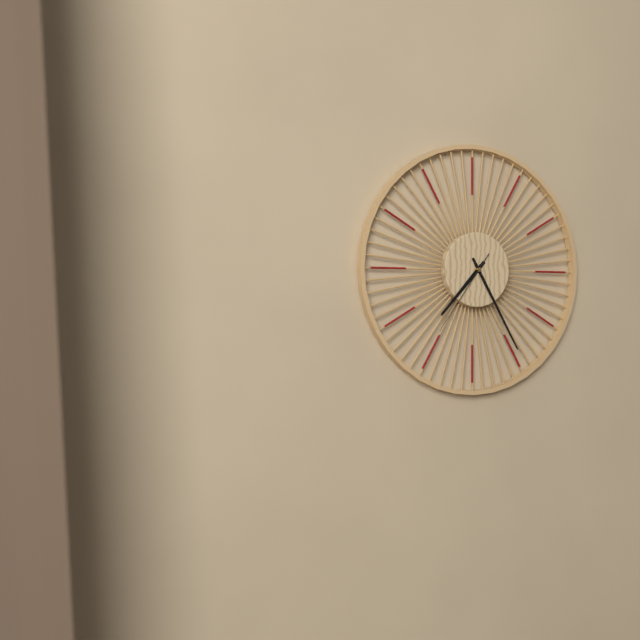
7:25:36
